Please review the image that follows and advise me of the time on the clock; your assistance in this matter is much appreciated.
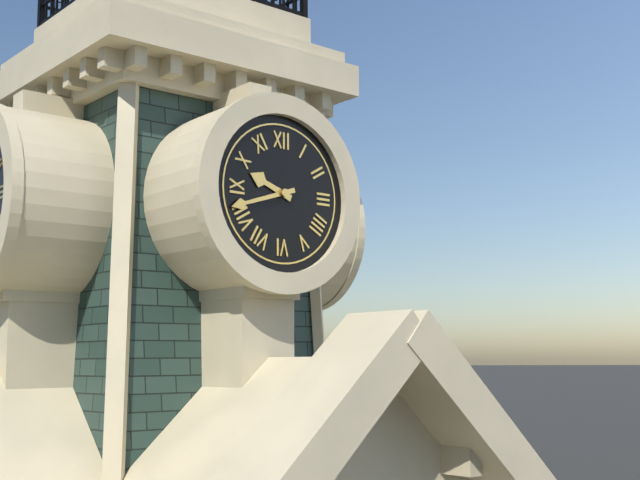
9:42
